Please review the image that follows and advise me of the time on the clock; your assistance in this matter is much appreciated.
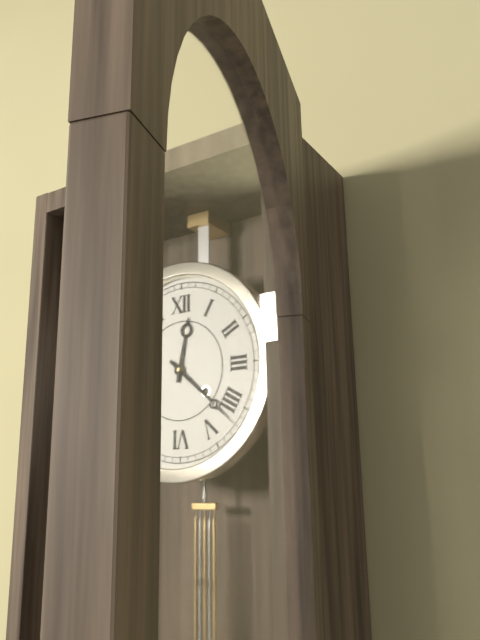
12:22
